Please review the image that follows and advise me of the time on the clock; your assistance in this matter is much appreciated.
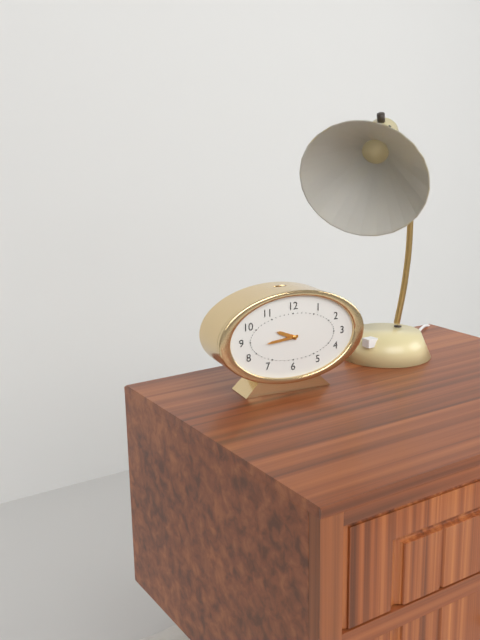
9:44
